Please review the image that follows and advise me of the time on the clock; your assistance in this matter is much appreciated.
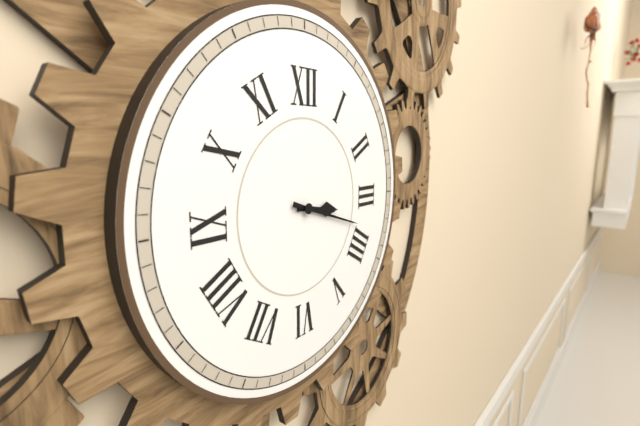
3:18
